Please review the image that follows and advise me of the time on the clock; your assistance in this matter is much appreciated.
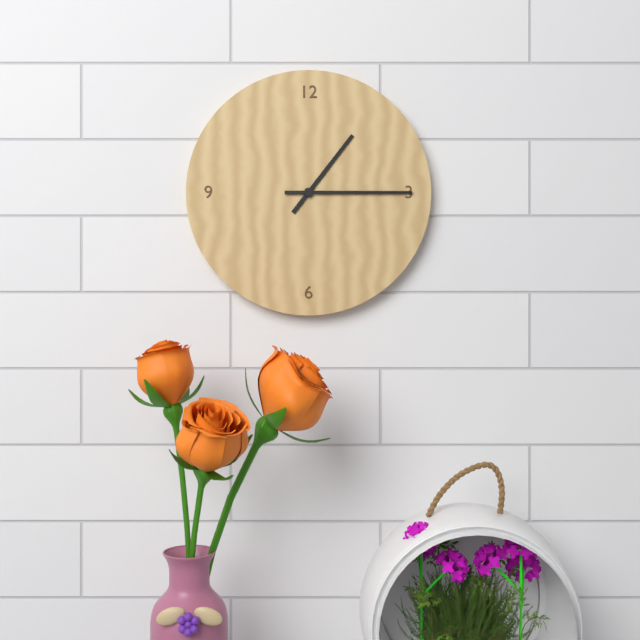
1:15
